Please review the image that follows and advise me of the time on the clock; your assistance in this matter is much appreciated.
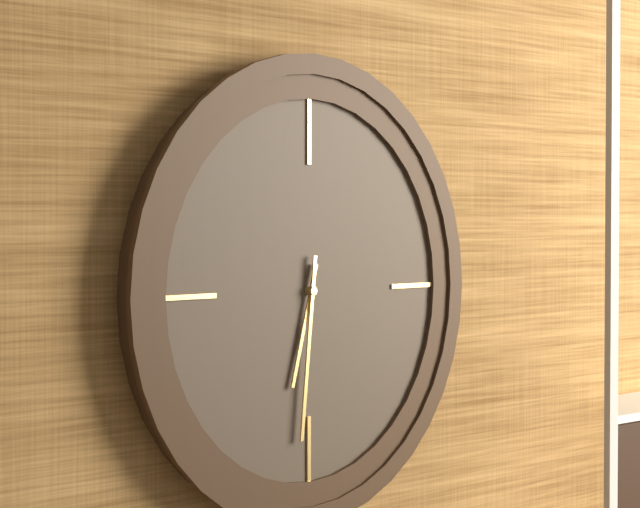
6:31
